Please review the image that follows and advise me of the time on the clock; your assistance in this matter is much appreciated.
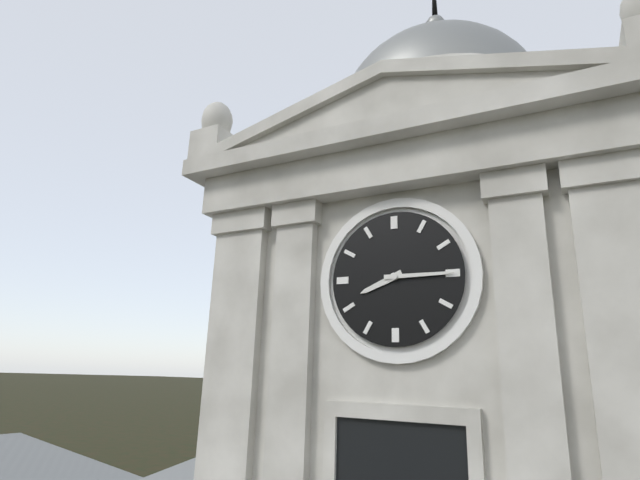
8:15
